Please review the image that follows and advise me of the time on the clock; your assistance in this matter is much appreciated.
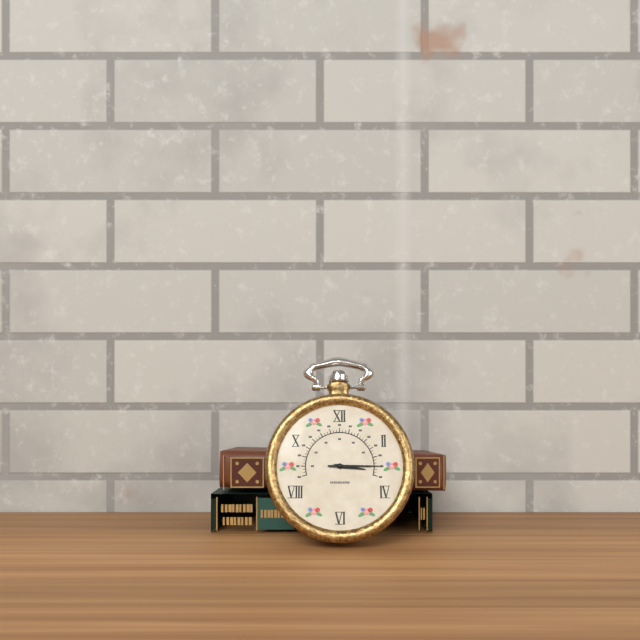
3:15
